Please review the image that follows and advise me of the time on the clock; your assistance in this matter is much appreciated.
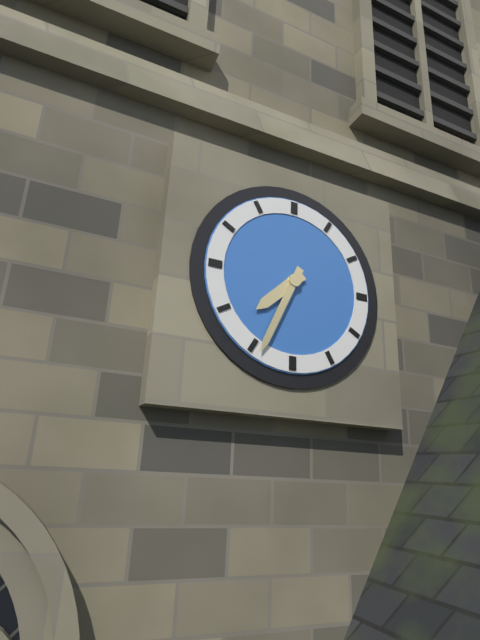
7:34
